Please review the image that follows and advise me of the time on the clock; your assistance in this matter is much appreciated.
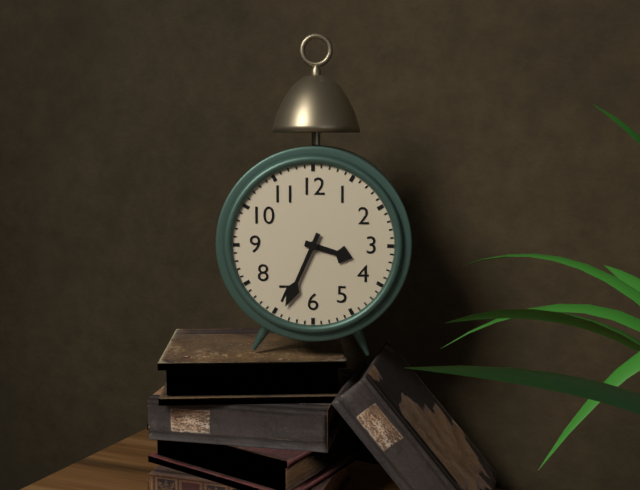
3:34
